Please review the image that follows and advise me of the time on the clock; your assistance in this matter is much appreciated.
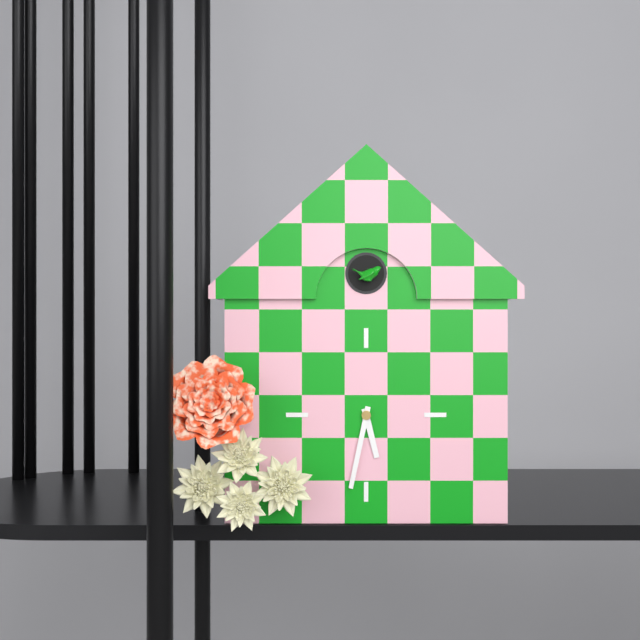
5:32
